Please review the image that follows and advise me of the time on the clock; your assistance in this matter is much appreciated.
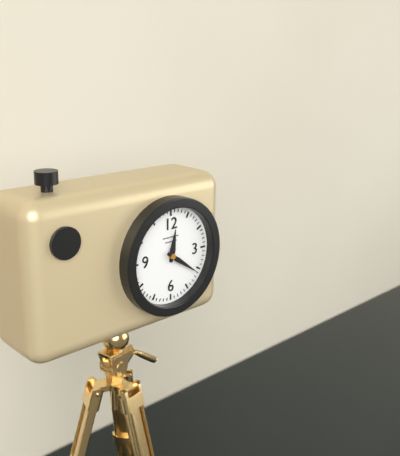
12:21
